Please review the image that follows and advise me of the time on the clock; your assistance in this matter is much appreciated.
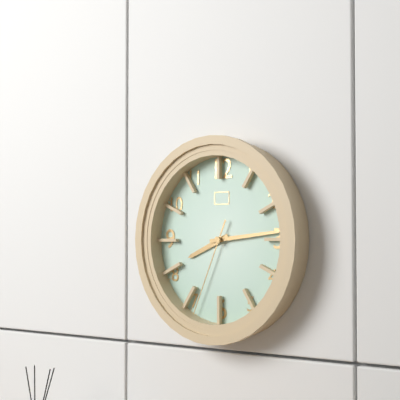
8:14:34
